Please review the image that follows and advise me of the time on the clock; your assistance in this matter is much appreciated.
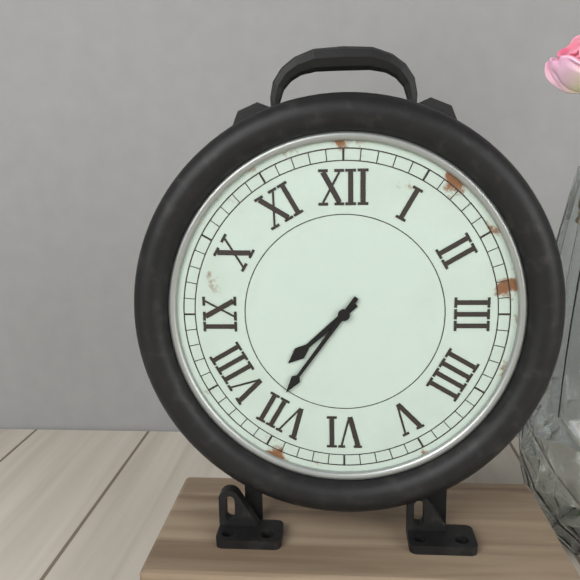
7:36
